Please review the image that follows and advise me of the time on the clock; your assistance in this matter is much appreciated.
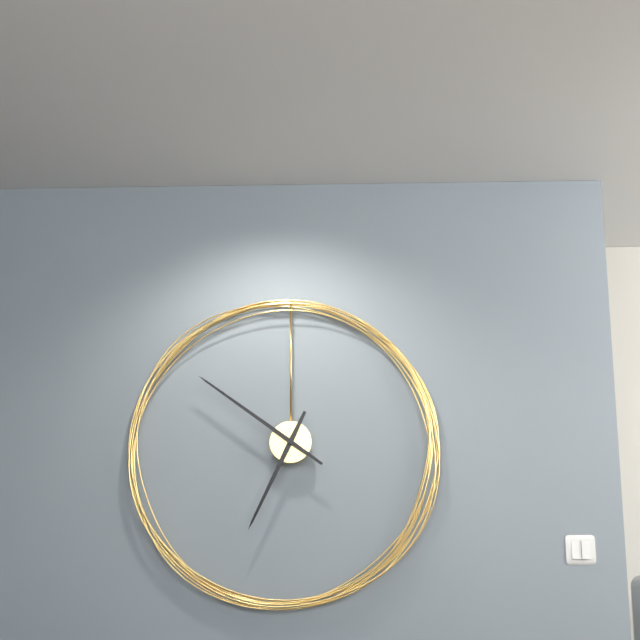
6:51
